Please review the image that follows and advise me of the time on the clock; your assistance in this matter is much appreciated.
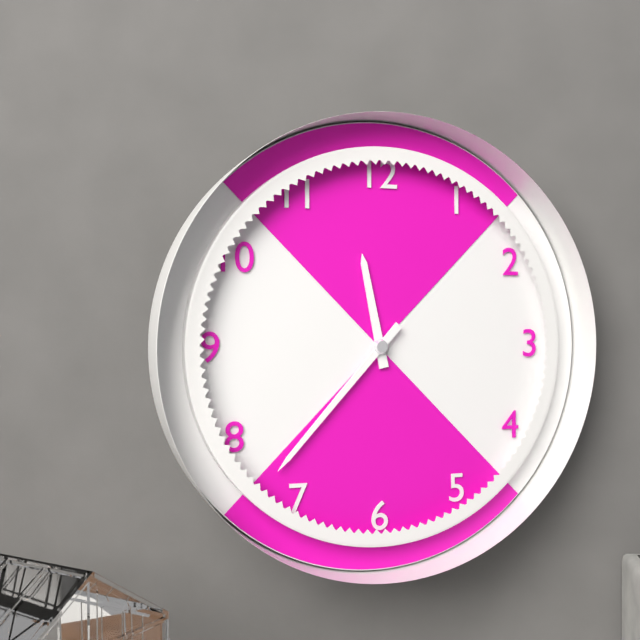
11:37
